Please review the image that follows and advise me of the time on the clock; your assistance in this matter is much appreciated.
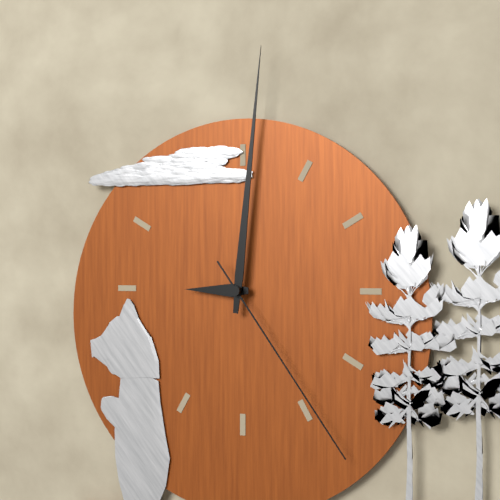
9:01:24
